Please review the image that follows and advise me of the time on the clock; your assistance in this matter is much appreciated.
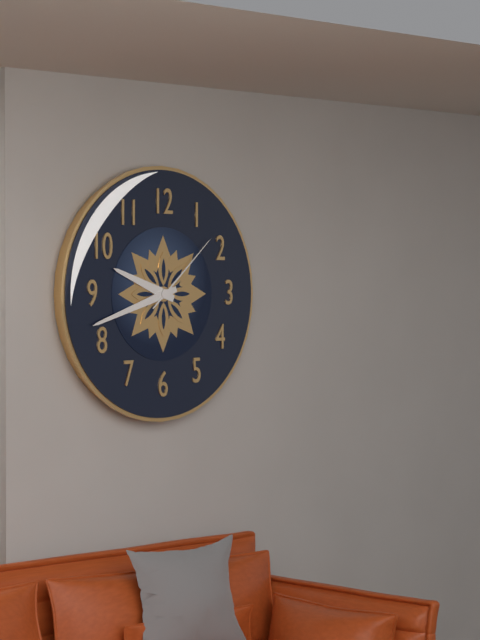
9:42:08
